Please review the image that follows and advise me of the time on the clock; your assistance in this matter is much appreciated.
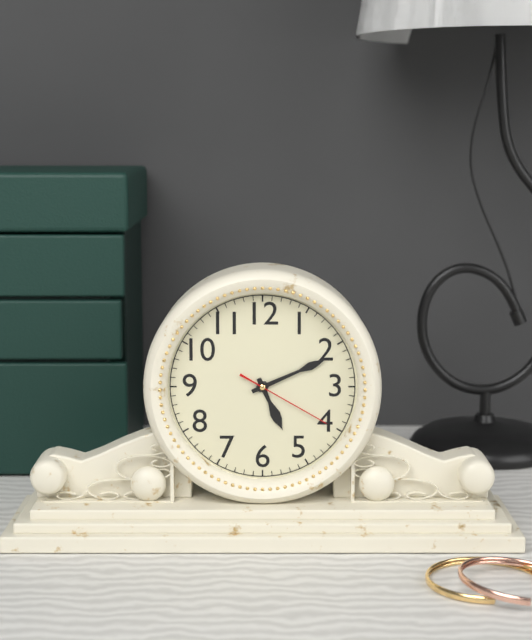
5:11:20
